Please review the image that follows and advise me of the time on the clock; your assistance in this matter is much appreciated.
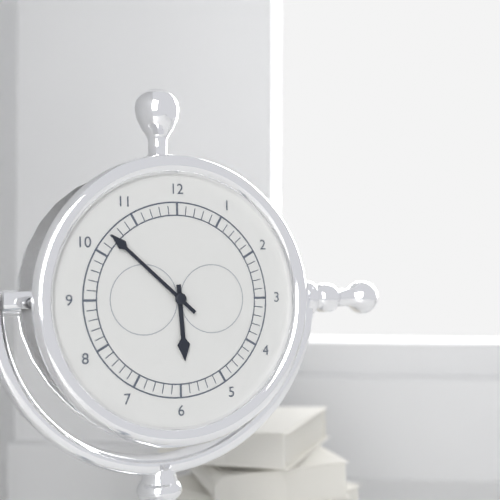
5:52
